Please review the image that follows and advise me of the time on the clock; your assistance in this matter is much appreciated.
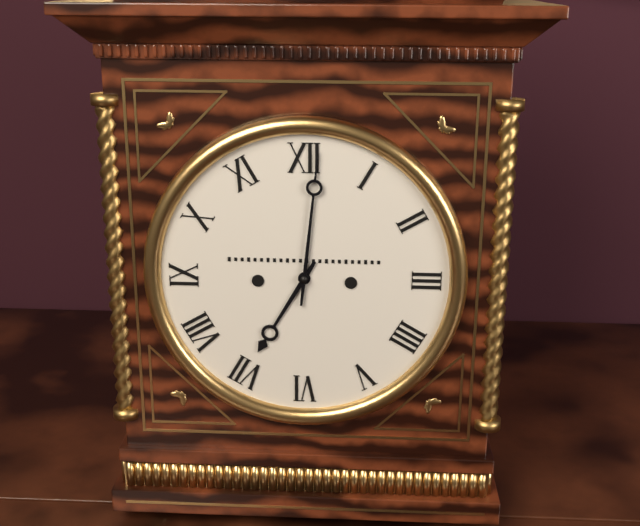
7:01
